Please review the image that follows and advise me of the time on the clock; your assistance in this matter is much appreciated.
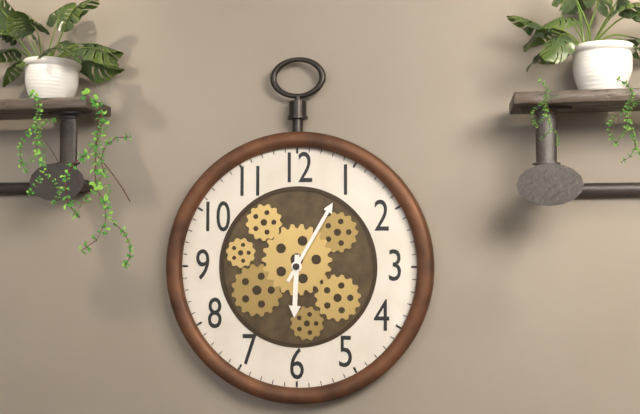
6:05
